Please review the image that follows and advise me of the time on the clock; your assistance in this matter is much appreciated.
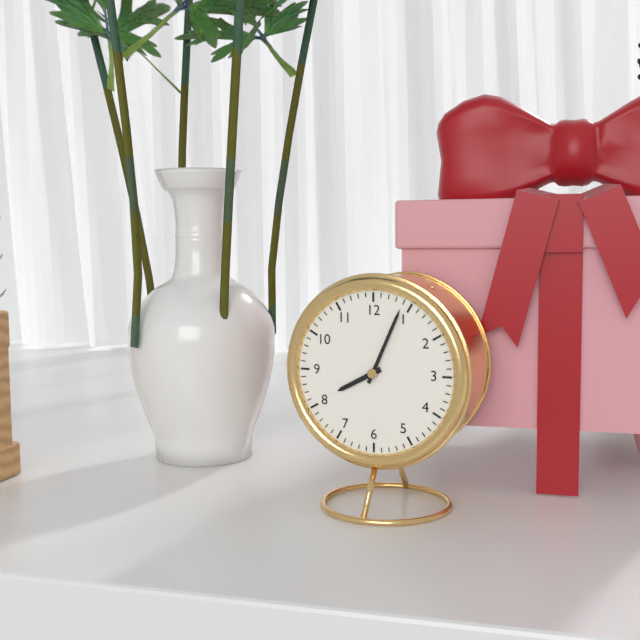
8:04
